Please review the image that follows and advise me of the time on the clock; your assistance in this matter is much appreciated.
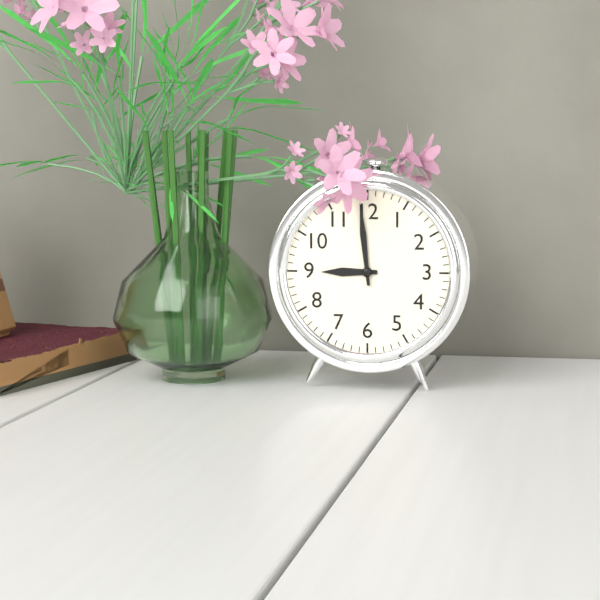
8:59
